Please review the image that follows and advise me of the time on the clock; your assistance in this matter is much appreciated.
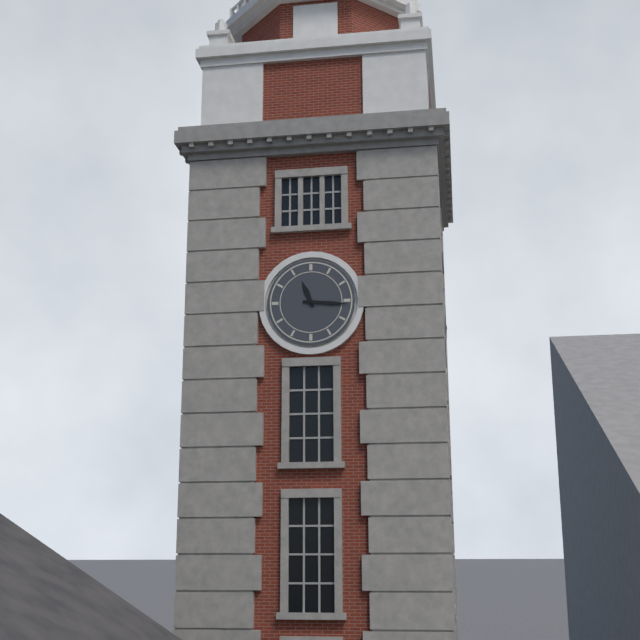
11:16
